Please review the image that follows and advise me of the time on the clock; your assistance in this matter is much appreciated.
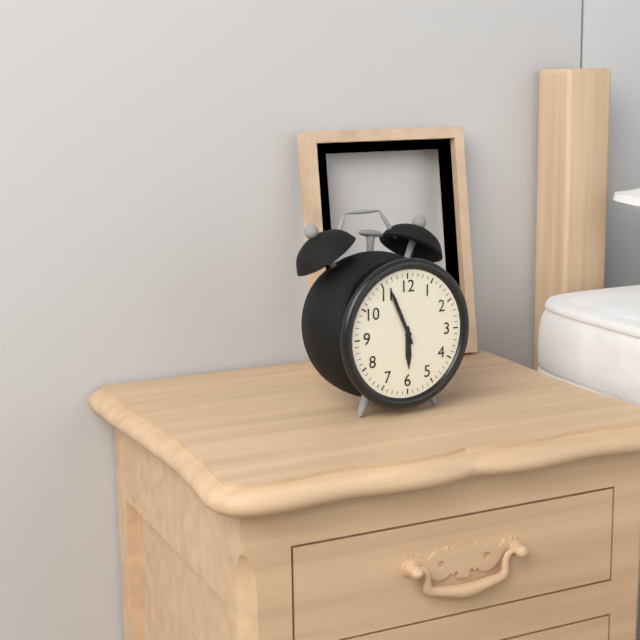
5:56
